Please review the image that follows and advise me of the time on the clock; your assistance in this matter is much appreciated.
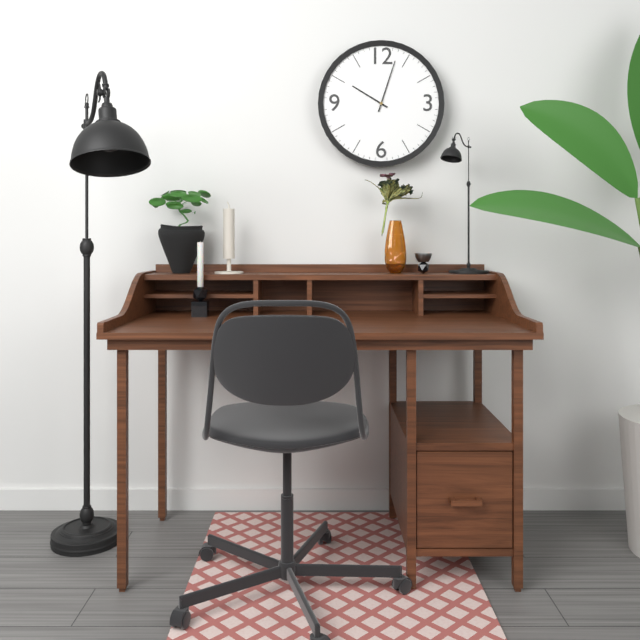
10:03
